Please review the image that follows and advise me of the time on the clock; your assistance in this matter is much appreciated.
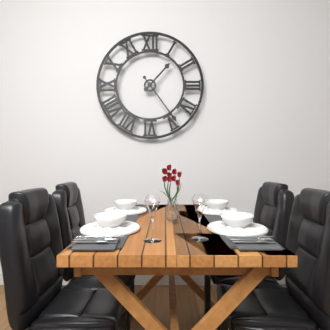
1:24
